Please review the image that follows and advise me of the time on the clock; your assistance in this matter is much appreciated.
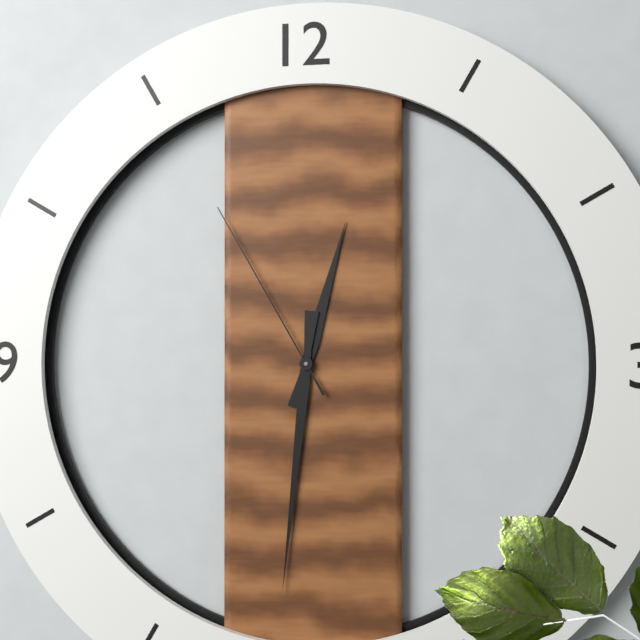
12:31:55
